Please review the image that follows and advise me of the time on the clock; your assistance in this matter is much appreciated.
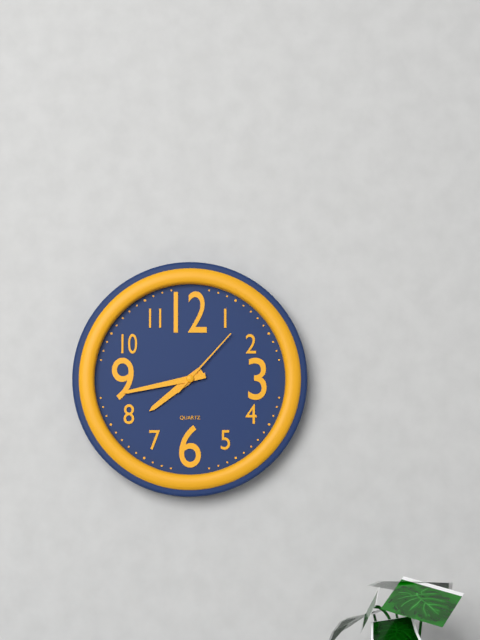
7:43:07
